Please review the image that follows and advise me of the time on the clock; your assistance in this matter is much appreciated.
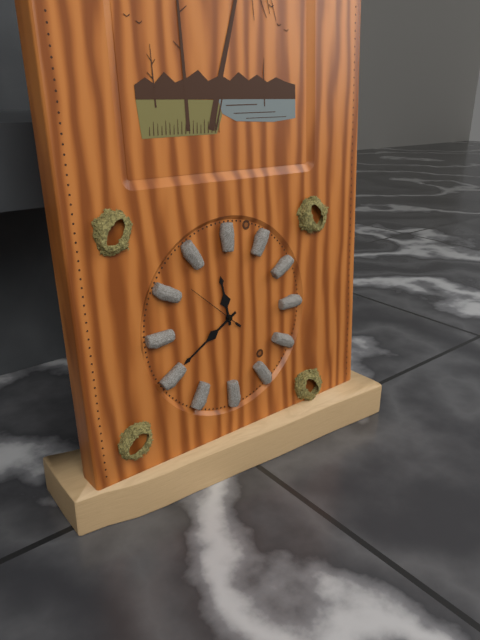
11:40:52
